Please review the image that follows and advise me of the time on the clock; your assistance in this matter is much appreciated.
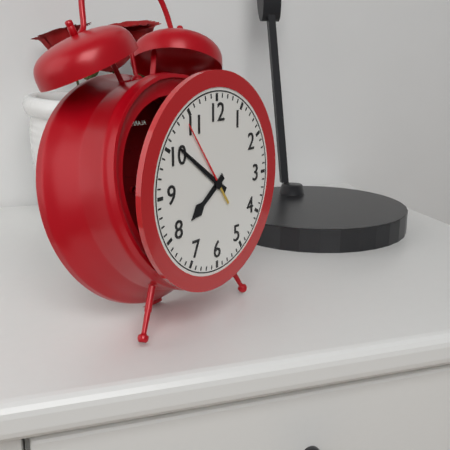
7:51:54
